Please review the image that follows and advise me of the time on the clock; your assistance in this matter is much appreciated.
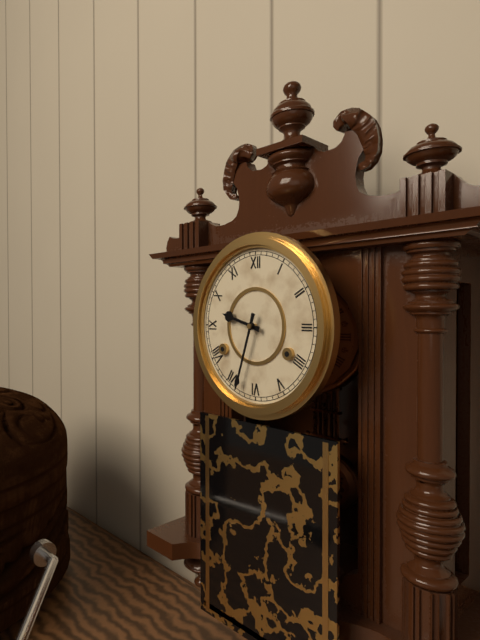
9:33
